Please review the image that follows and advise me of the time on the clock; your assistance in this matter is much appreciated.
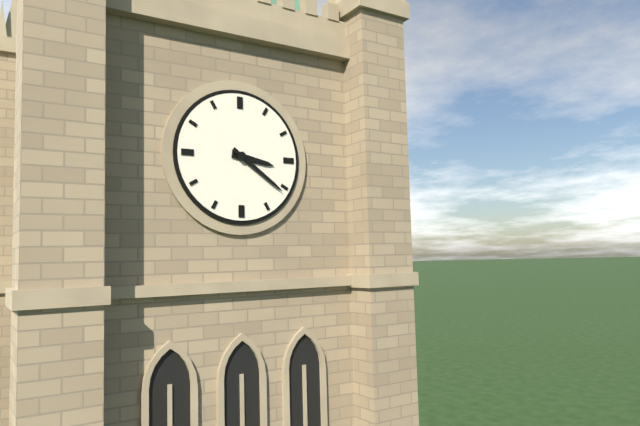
3:21
